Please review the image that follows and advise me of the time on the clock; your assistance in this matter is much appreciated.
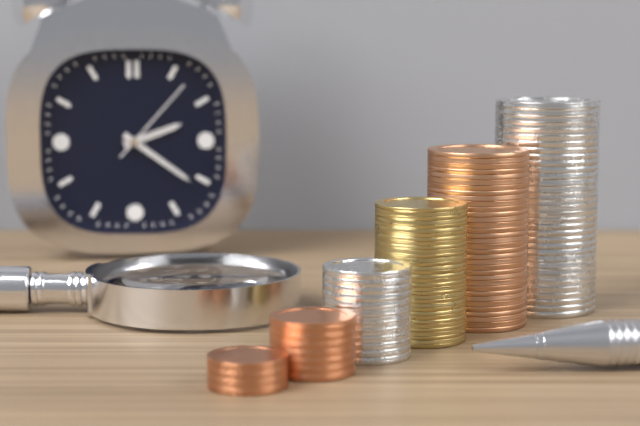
2:21:07
